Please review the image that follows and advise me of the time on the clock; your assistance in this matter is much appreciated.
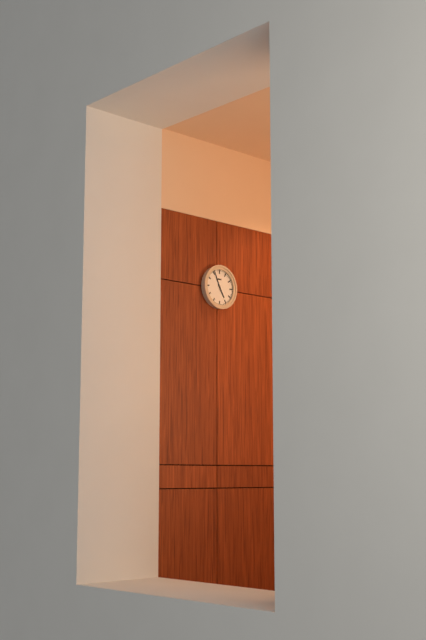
4:56
